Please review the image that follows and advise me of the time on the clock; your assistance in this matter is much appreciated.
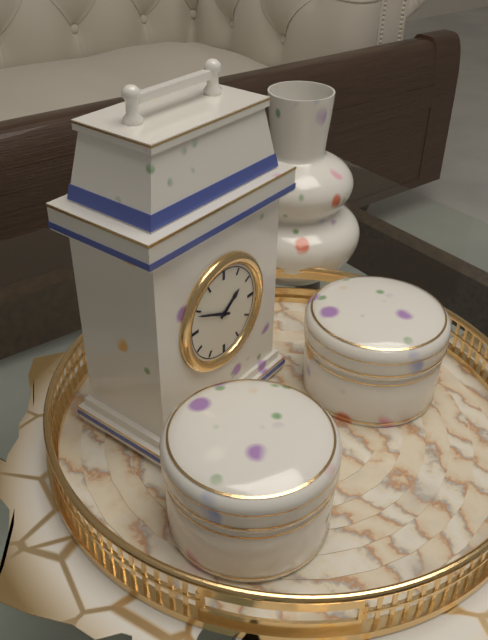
1:49
